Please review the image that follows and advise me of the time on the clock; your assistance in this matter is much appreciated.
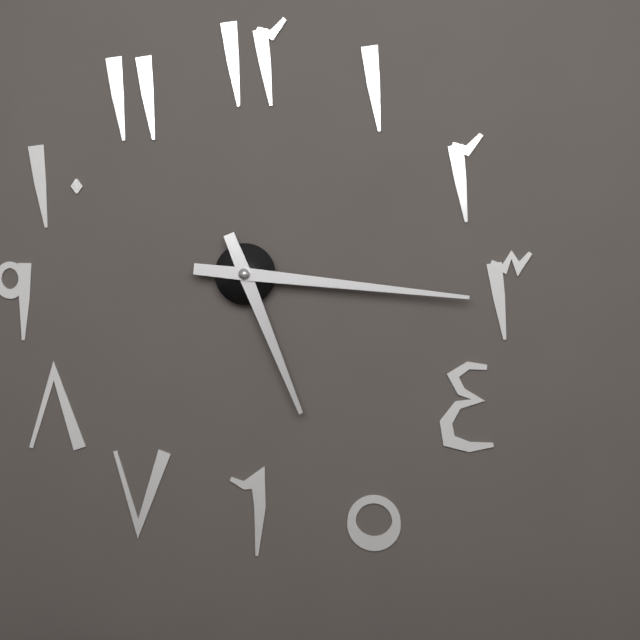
5:16
